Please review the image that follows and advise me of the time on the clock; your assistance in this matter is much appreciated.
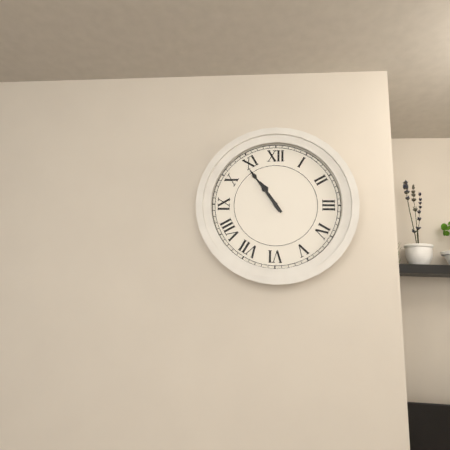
10:54
